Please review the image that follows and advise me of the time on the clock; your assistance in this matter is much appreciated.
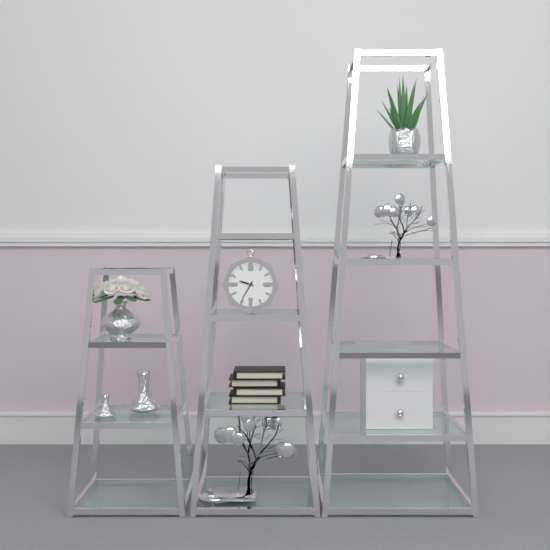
9:35
